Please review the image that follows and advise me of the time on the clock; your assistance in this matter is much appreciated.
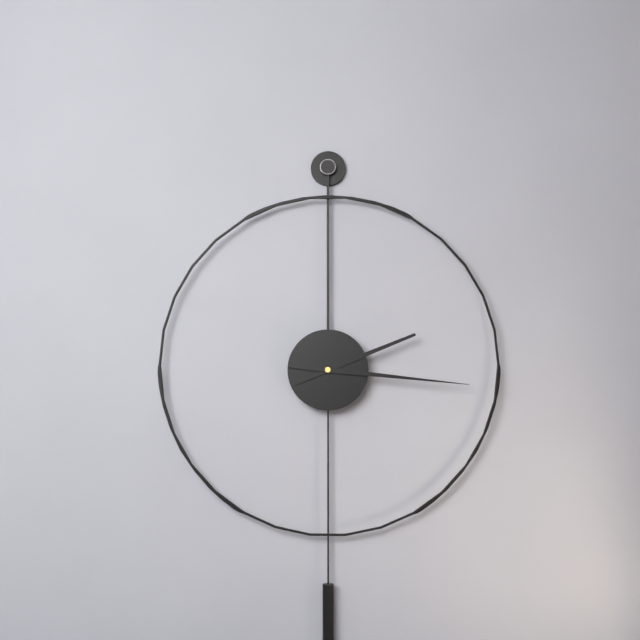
2:16
